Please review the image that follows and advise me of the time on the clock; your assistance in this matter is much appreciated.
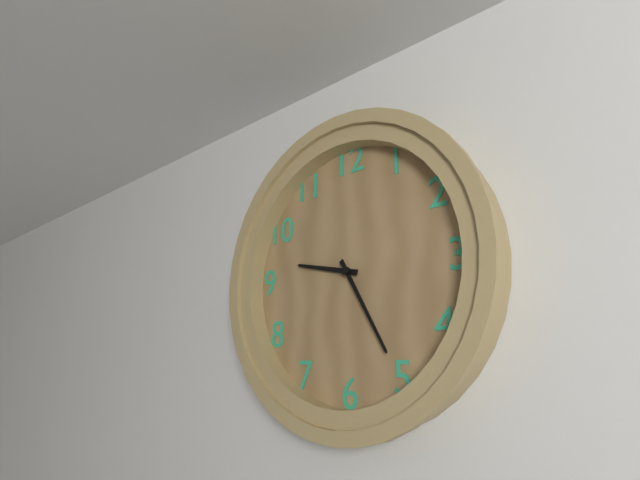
9:25
